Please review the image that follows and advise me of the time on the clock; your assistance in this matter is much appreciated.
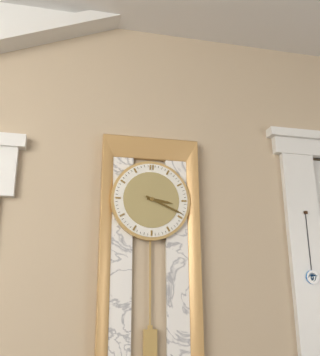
3:19
